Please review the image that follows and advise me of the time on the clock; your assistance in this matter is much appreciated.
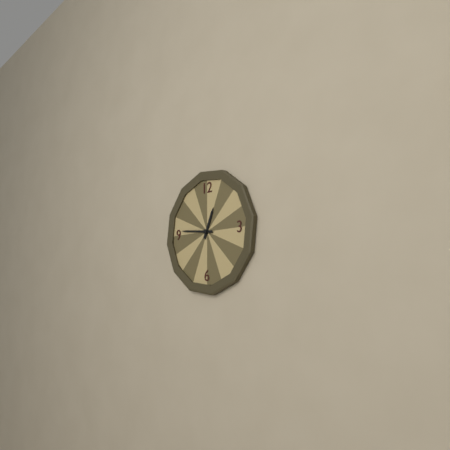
12:46
